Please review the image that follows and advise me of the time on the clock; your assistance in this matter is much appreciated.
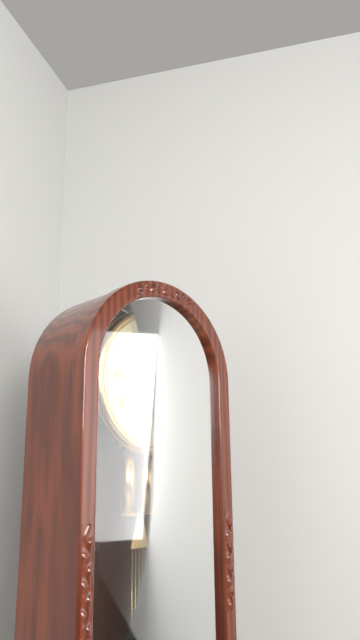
1:13
